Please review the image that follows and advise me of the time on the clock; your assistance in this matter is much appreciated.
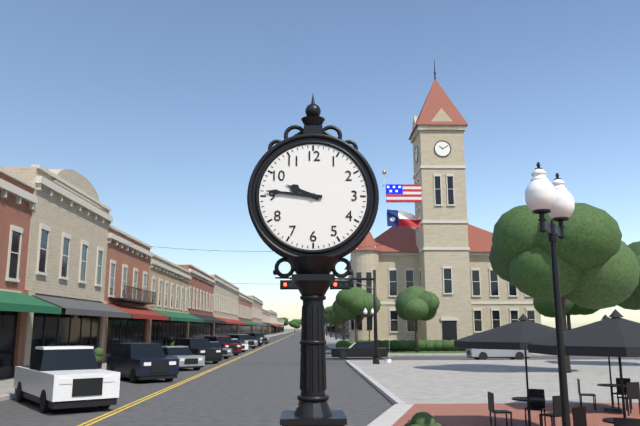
9:46
